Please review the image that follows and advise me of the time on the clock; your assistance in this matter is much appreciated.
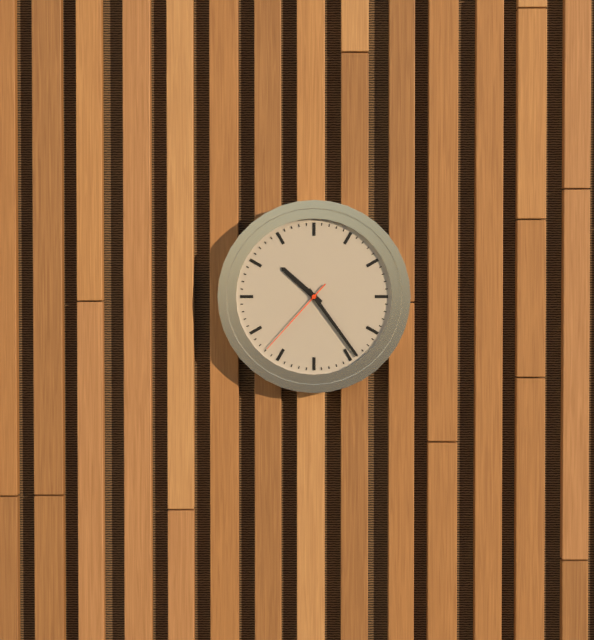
10:24:37
